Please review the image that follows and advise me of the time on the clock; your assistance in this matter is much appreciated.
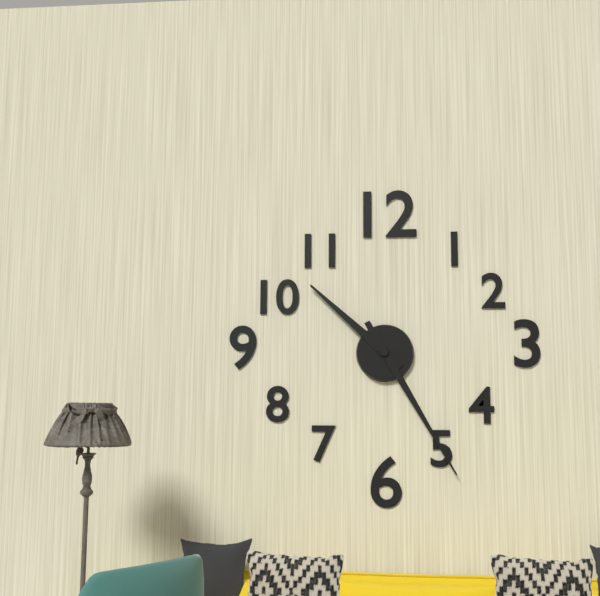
10:25
